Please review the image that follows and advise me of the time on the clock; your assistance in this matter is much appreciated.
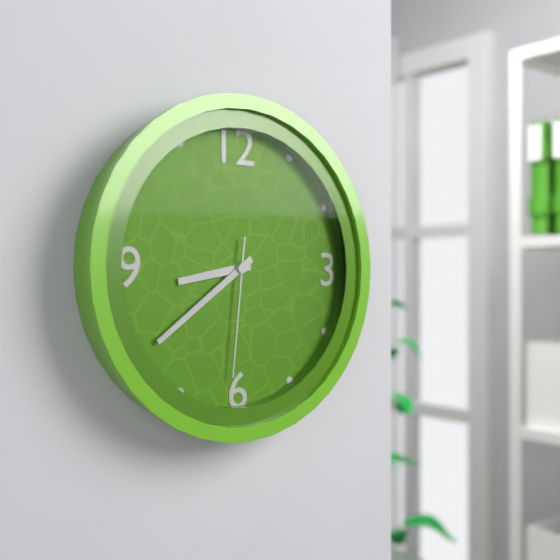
8:39:31
